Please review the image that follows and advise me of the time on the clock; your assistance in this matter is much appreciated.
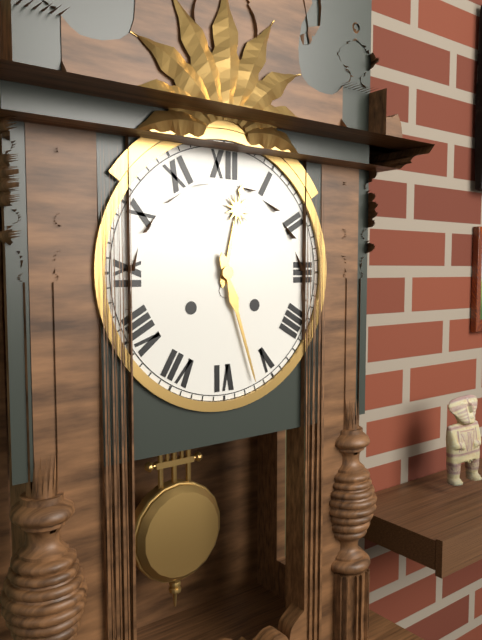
12:27
